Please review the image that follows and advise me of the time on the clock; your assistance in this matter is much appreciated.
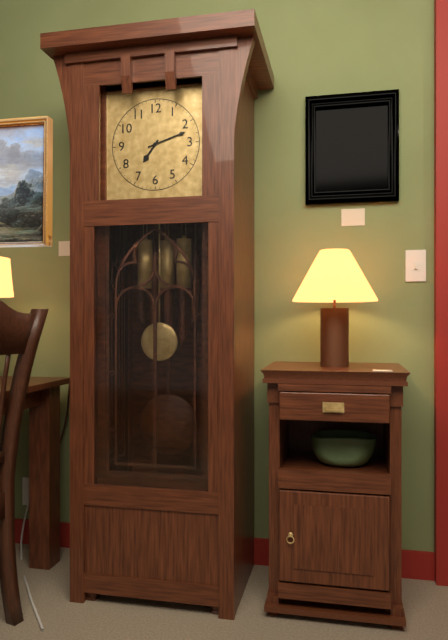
7:12
